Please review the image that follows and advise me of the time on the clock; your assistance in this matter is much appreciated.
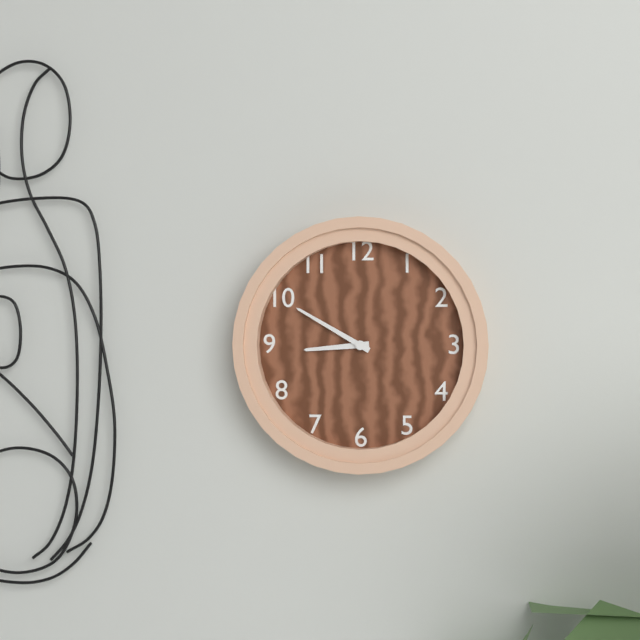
8:50
